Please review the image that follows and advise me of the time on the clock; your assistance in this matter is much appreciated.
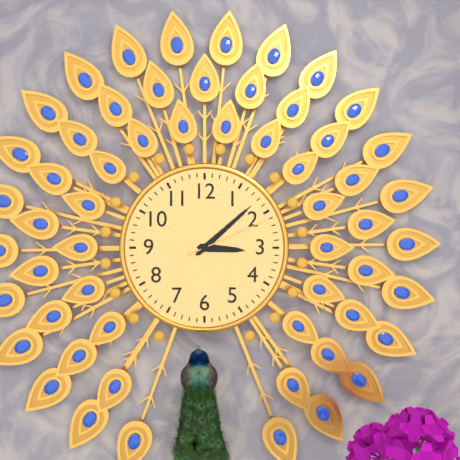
3:08:11
